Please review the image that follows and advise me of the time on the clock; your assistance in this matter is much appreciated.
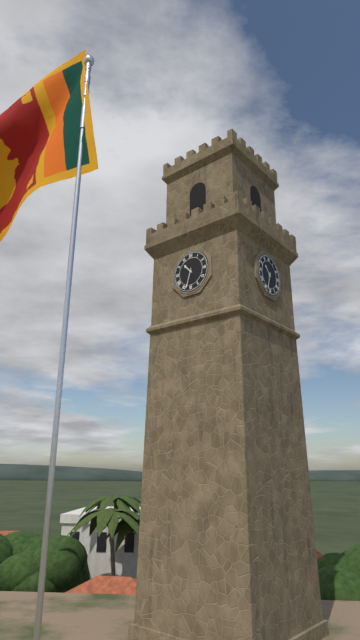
10:33
